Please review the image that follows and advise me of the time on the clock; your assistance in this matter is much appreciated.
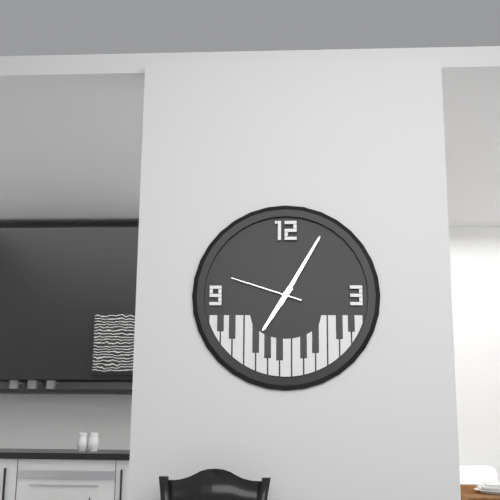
7:05:48
